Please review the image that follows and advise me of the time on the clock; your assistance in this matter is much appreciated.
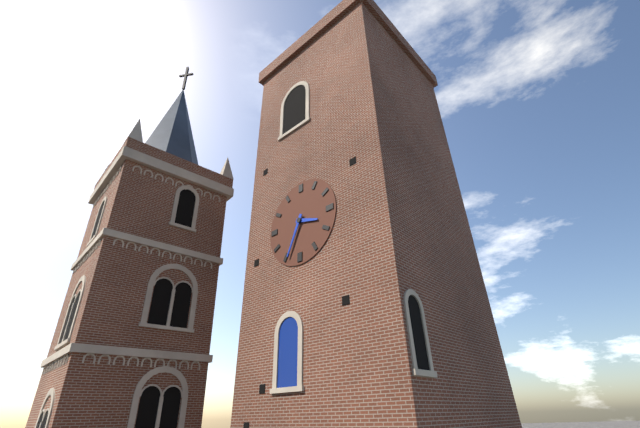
3:34
